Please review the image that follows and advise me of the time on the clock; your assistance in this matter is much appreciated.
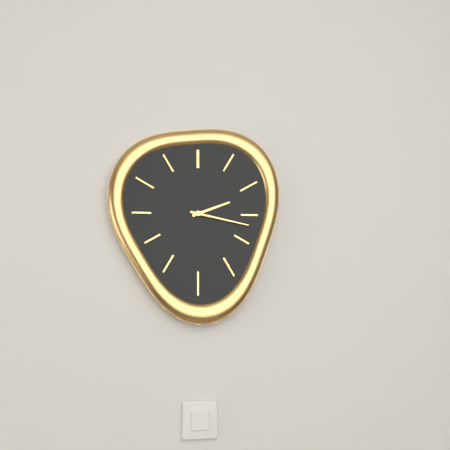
2:17
